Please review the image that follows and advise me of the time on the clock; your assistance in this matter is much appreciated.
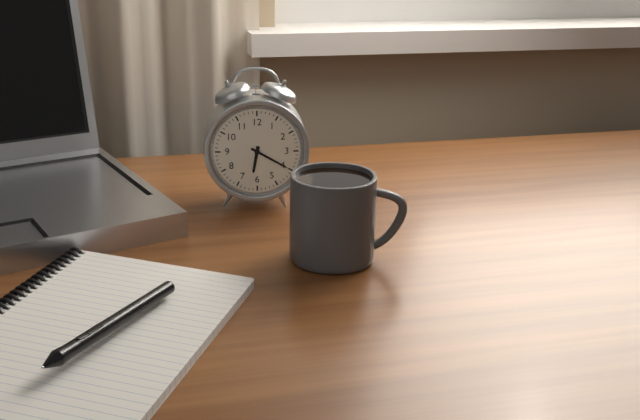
6:20
